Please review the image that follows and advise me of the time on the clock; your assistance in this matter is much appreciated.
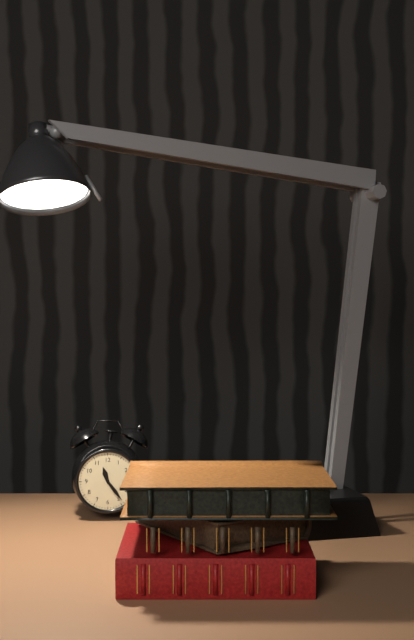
11:24
